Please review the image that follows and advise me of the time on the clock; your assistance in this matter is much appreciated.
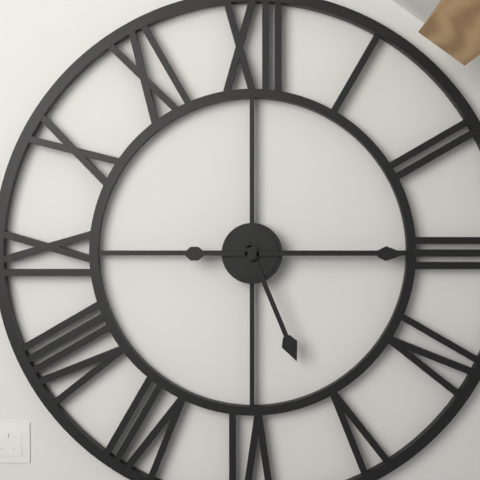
5:15
